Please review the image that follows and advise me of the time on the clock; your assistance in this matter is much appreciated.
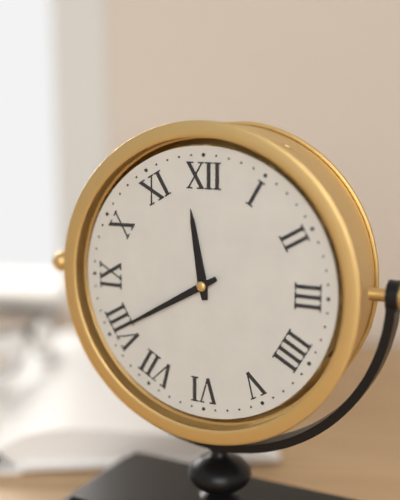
11:40
